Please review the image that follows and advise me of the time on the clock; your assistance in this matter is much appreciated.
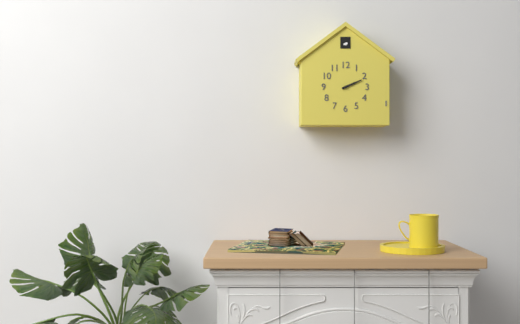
2:11
